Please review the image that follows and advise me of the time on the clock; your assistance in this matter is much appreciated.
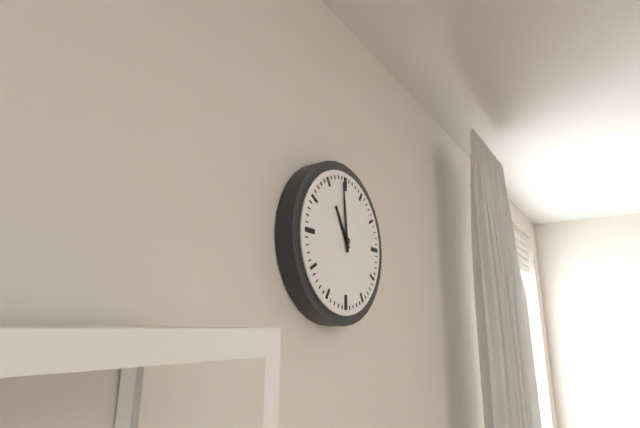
10:59
